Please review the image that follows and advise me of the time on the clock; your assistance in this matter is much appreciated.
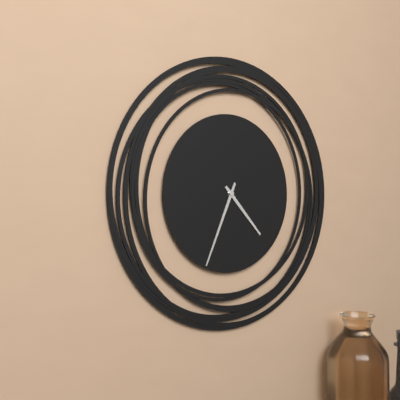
4:34
